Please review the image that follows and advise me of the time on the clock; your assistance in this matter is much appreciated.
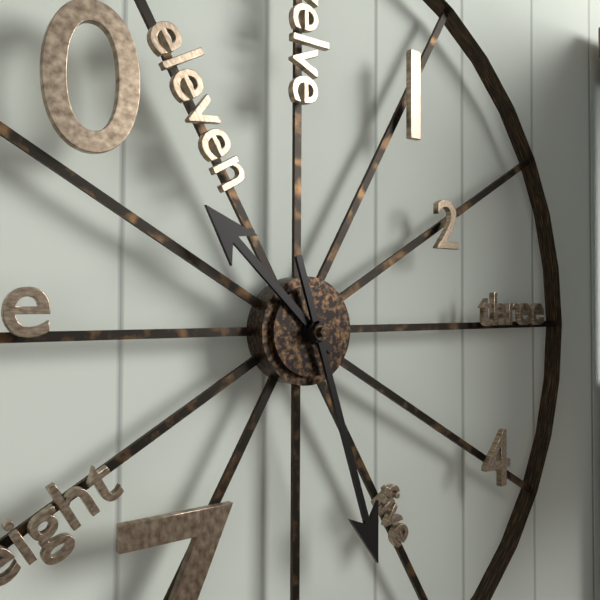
10:27
